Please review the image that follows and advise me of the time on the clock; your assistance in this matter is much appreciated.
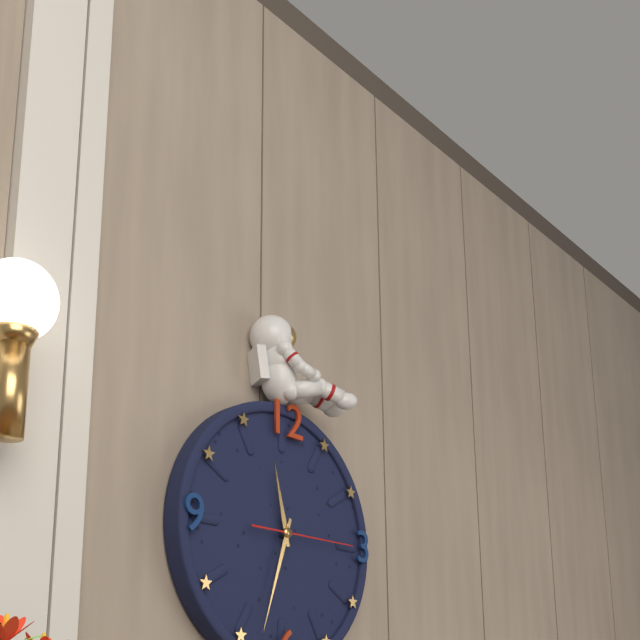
11:33:15
